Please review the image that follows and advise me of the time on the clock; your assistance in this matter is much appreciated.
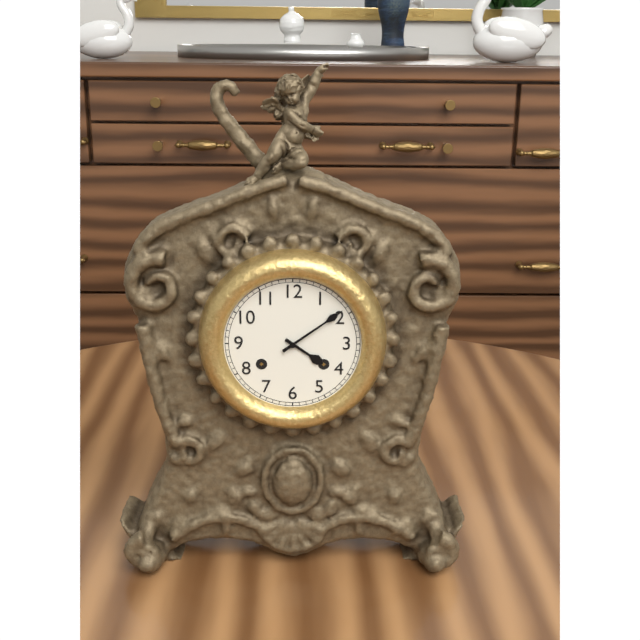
4:09
